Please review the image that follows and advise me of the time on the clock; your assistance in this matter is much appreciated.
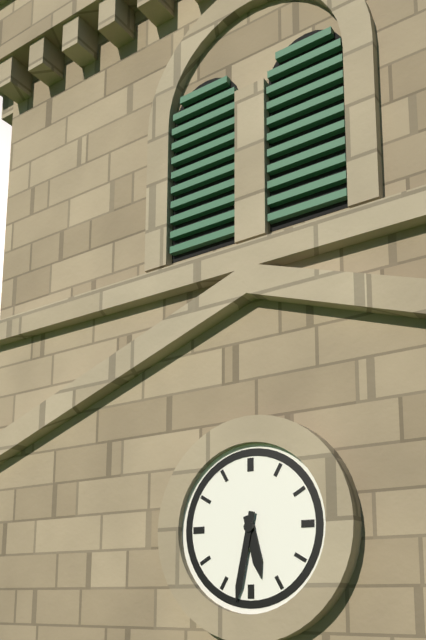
5:32
